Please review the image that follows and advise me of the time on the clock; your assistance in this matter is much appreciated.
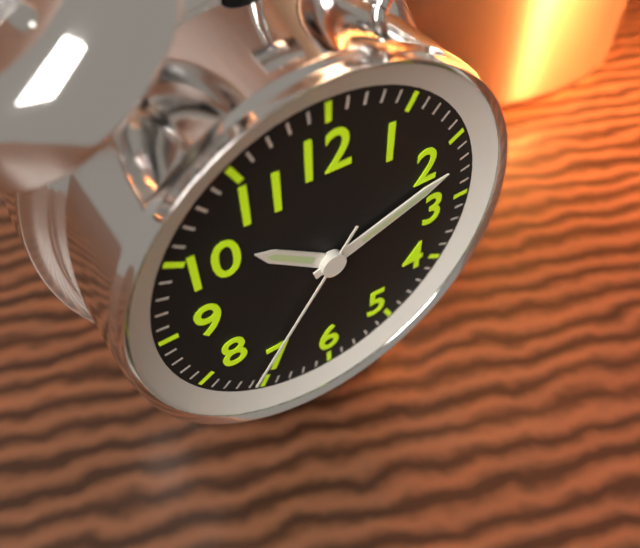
10:12:36
